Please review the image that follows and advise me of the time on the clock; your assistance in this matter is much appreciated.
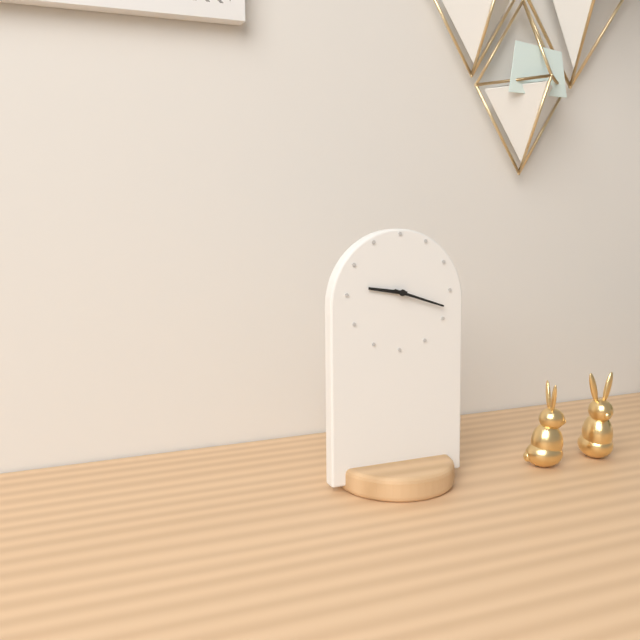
9:18
